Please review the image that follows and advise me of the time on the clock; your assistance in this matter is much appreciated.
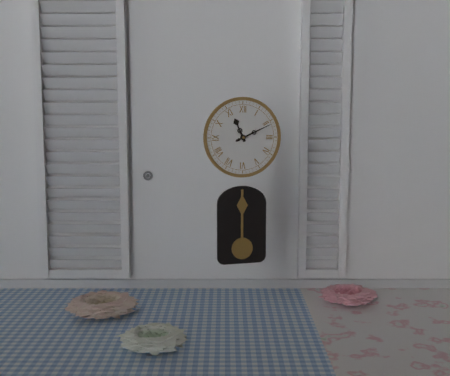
11:11
